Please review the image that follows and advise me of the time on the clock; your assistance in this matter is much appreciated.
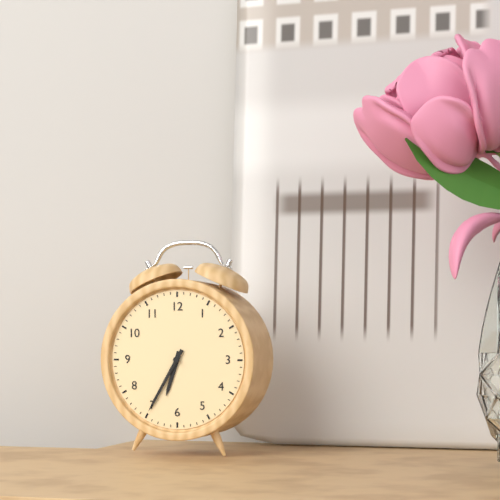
6:35
